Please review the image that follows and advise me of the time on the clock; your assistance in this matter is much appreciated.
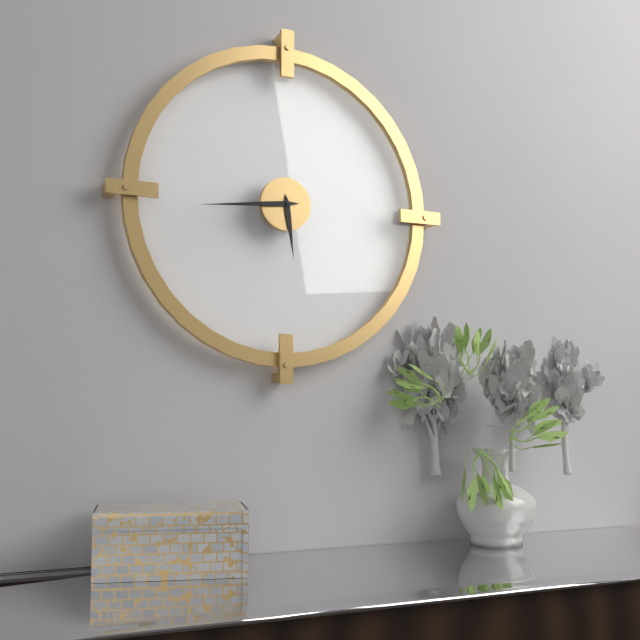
5:44
